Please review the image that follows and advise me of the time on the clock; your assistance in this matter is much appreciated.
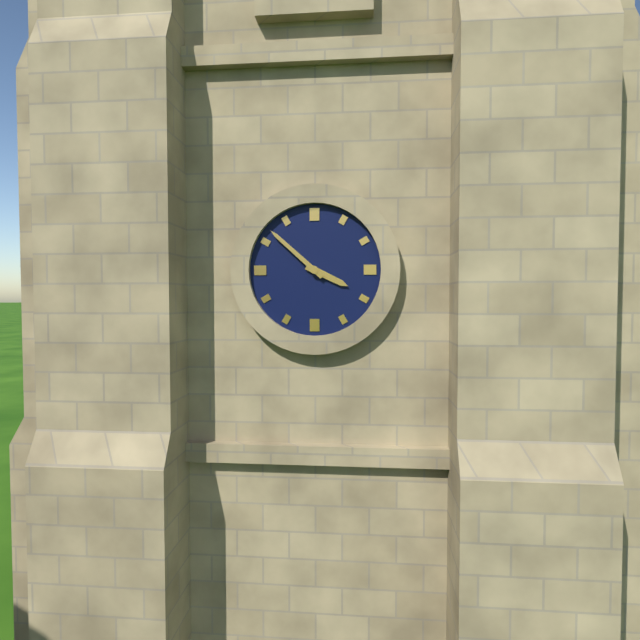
3:52
